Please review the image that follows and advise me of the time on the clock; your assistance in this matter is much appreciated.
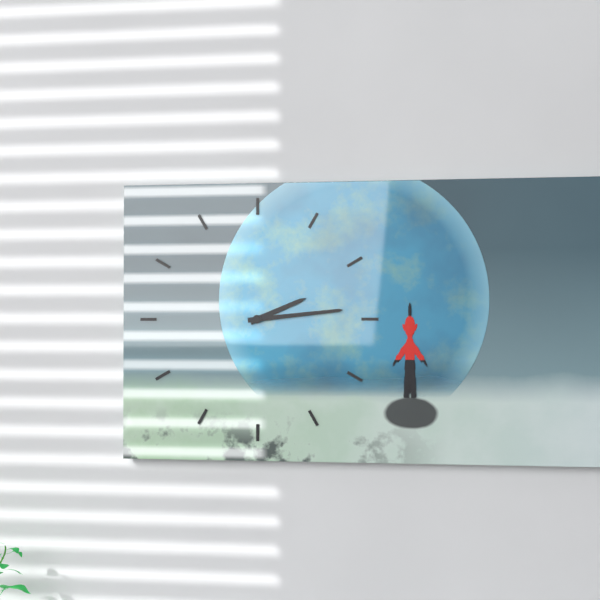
2:14
